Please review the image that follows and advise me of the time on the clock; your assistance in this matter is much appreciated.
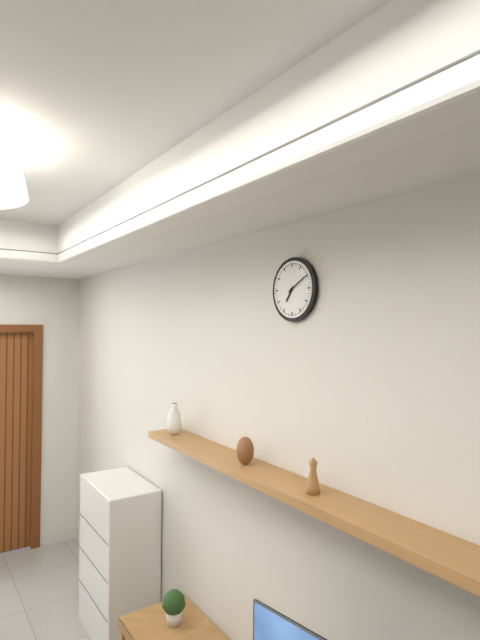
7:10
